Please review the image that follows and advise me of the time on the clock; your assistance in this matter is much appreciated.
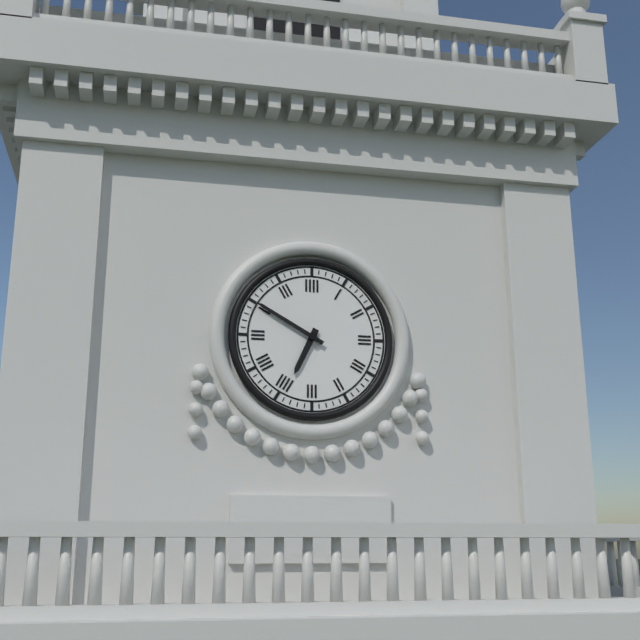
6:50
